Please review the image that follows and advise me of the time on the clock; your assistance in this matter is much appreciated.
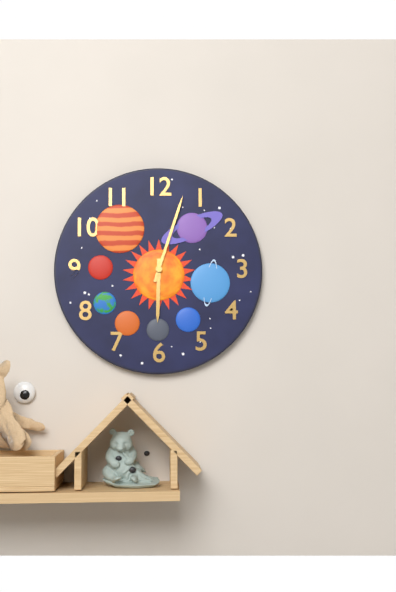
6:03
